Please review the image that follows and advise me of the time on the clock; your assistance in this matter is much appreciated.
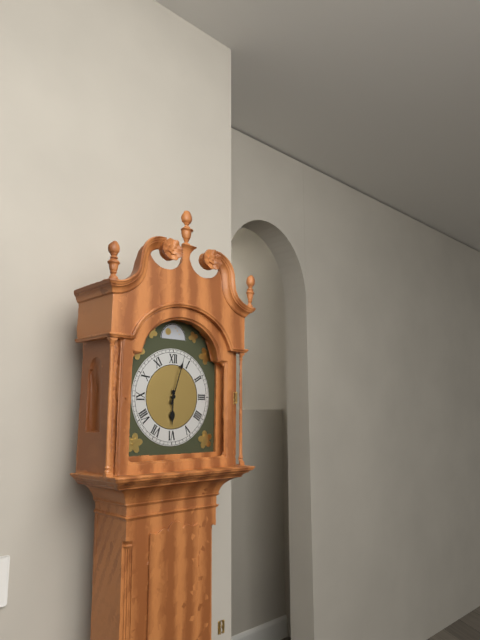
6:03
